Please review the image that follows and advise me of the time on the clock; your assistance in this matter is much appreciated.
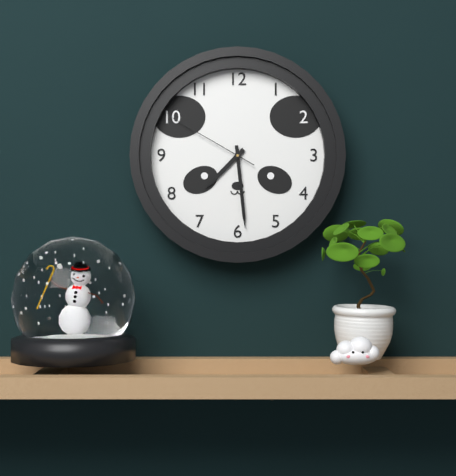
7:29:50
